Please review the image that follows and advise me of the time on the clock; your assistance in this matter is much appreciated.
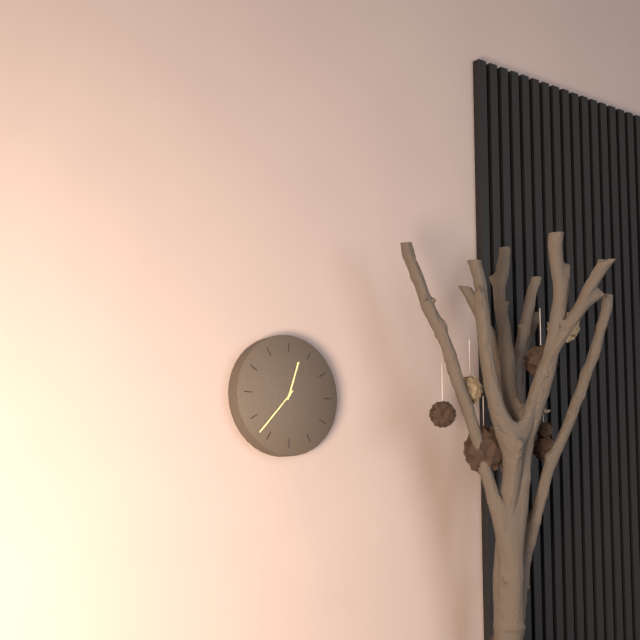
12:37
